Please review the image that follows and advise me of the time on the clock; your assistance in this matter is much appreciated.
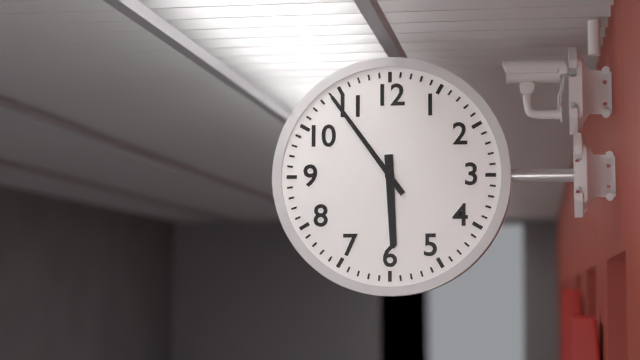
5:54
